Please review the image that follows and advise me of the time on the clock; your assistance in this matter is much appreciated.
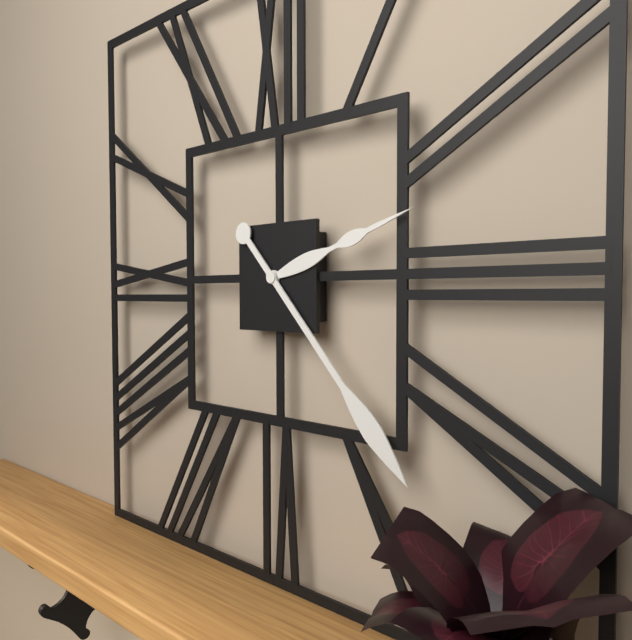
2:23
